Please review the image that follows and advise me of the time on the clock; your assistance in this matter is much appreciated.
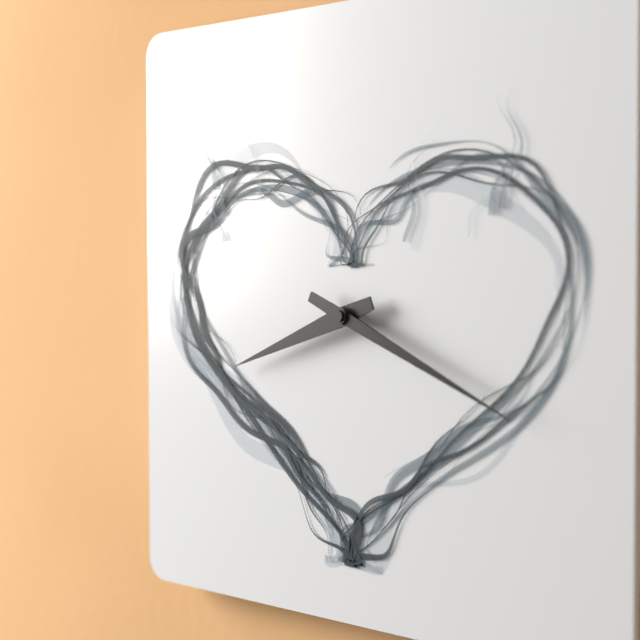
8:19
